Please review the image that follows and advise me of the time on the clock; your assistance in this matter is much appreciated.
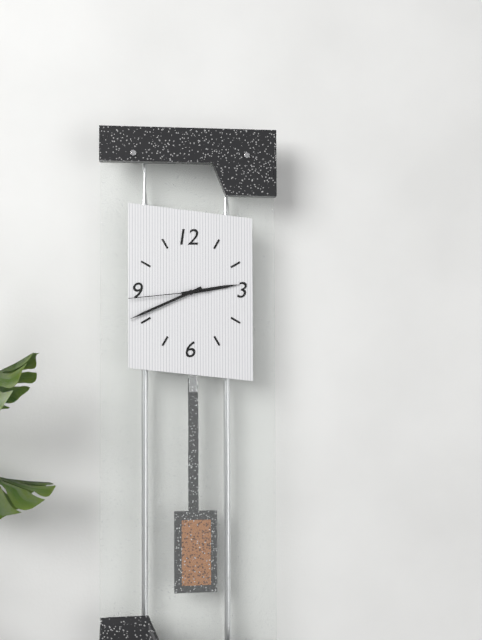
2:41:44
